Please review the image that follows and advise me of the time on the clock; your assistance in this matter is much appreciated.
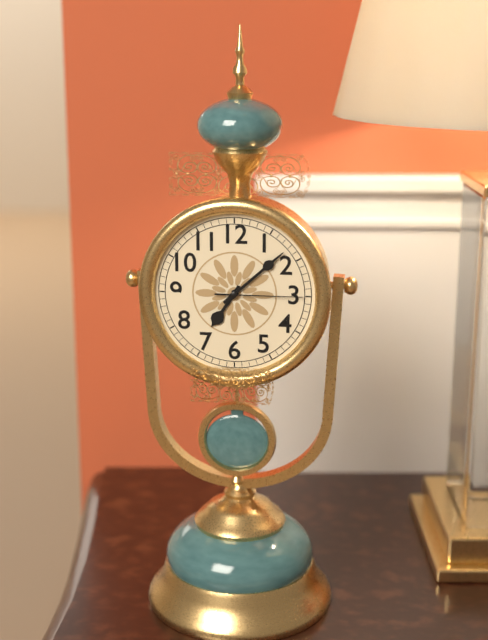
7:08:15
